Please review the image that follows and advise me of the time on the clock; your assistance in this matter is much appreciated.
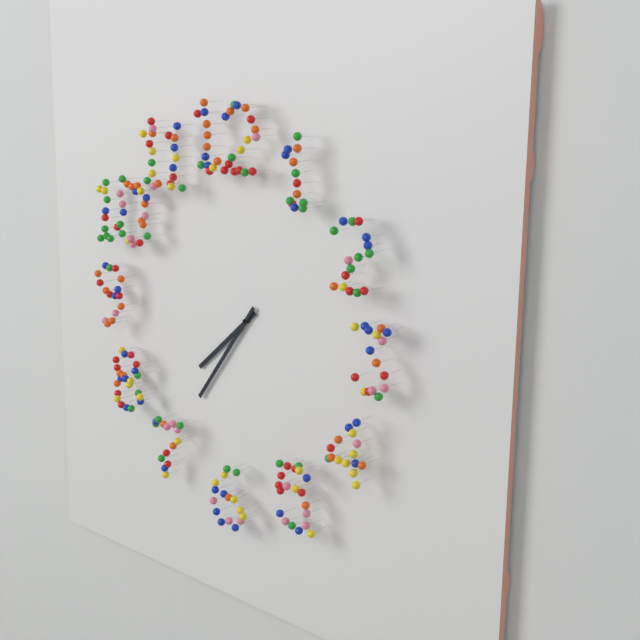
7:36
